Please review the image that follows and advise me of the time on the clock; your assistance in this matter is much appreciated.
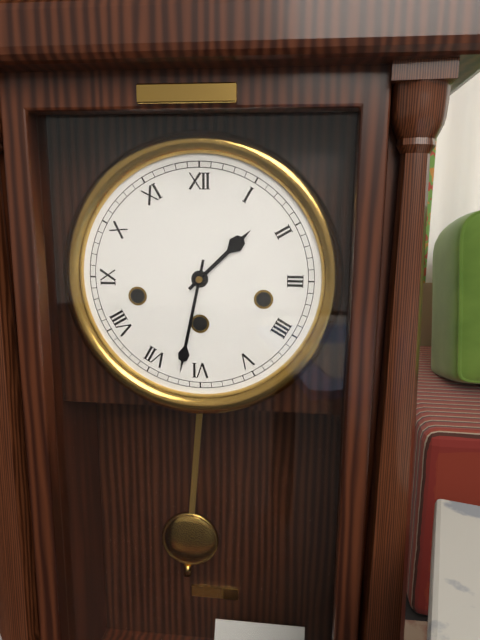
1:32
